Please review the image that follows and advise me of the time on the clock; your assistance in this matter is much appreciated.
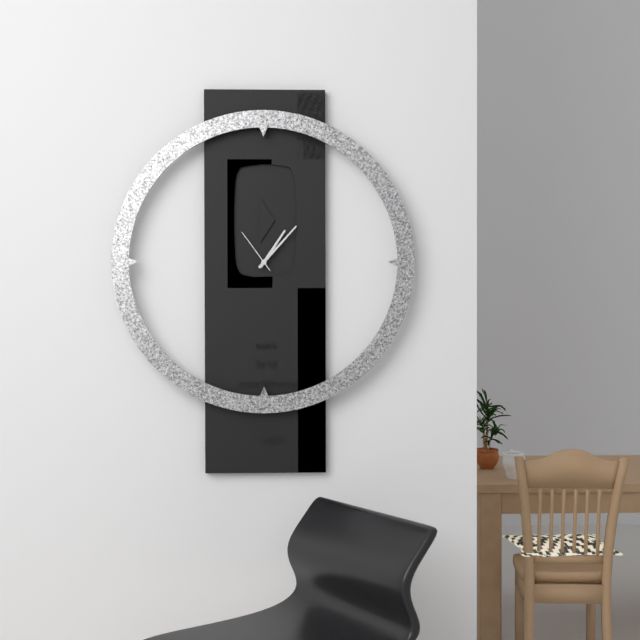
1:07
